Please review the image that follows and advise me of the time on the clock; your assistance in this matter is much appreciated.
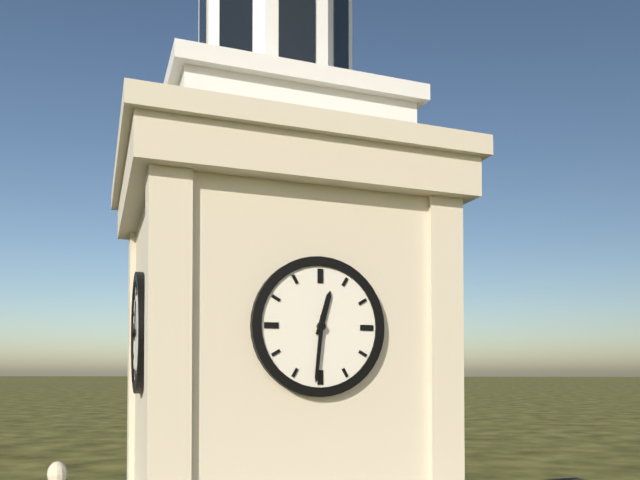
12:31
